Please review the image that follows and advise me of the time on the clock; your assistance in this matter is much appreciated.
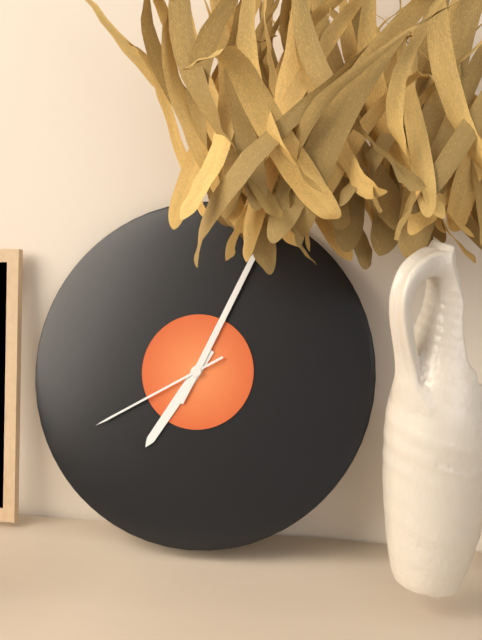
7:04:40
